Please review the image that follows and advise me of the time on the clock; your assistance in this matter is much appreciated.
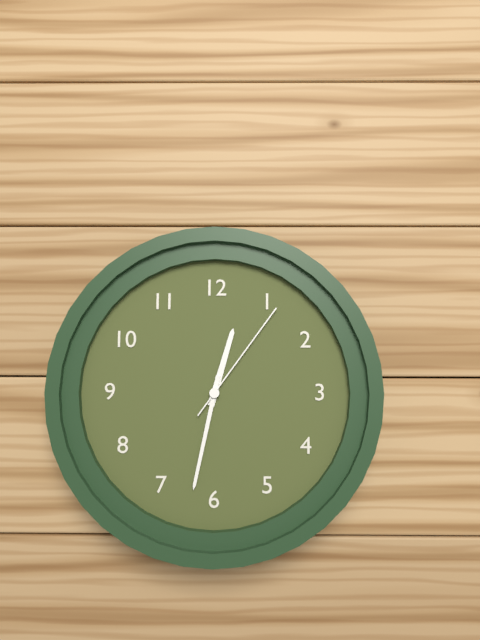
12:32:06
